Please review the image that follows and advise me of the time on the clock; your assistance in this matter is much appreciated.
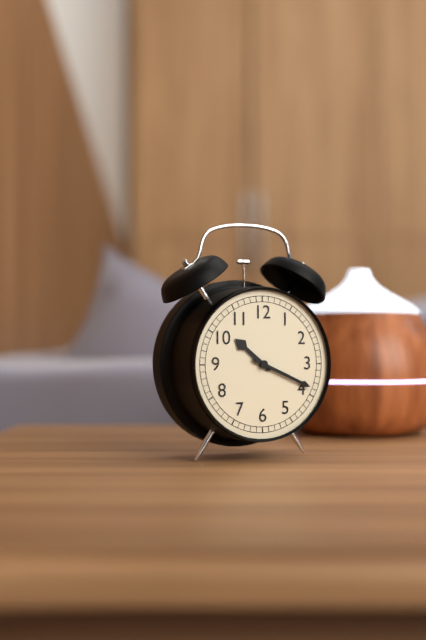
10:19
